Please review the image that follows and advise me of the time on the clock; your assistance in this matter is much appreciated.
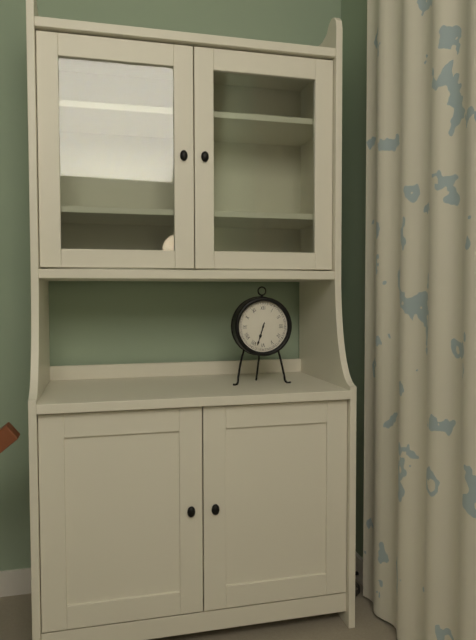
6:33
